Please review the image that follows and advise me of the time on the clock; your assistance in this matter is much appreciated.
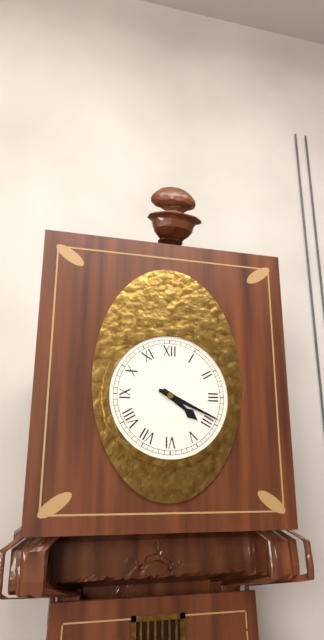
4:19
